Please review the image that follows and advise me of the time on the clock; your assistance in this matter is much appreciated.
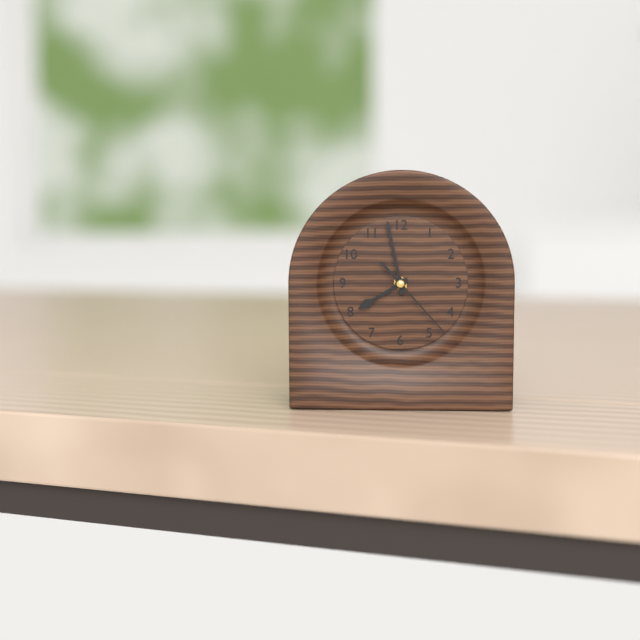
7:58:23
